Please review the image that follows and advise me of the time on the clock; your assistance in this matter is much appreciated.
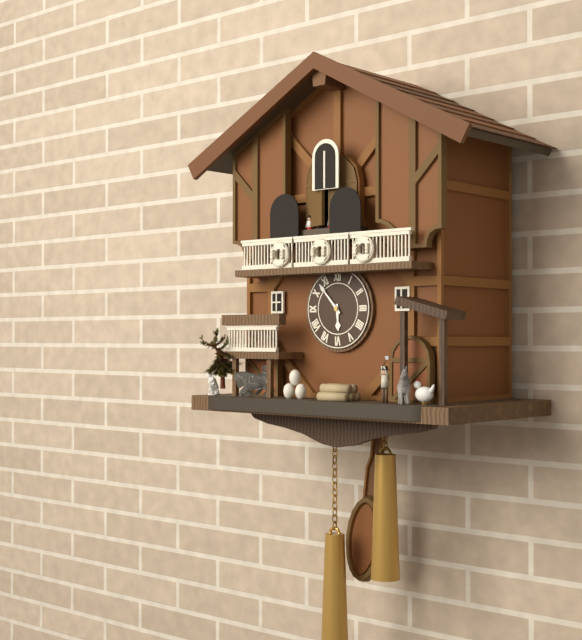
5:53
